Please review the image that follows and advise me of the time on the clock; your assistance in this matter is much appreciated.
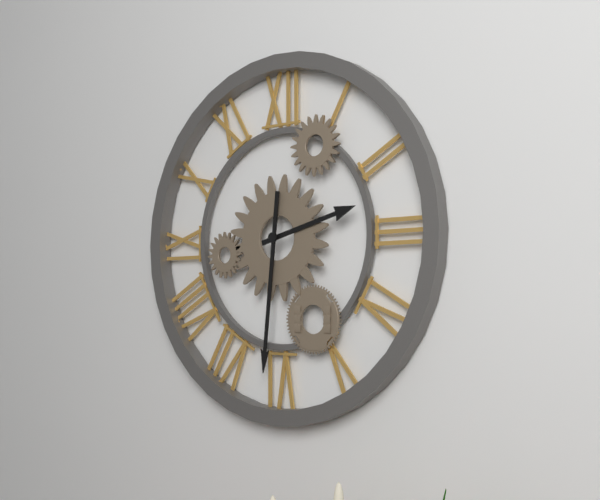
2:31
